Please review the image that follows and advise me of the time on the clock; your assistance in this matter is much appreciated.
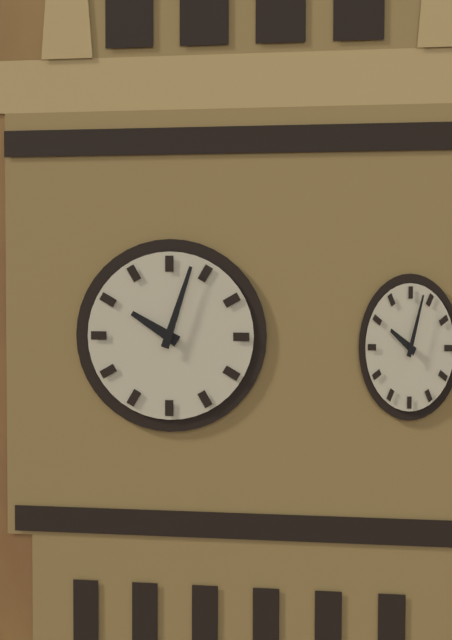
10:03
